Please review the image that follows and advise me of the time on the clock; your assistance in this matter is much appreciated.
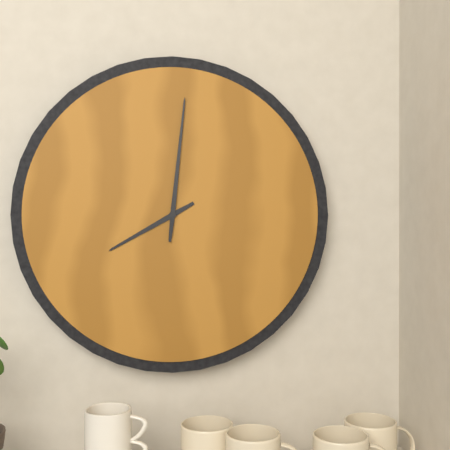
8:01
